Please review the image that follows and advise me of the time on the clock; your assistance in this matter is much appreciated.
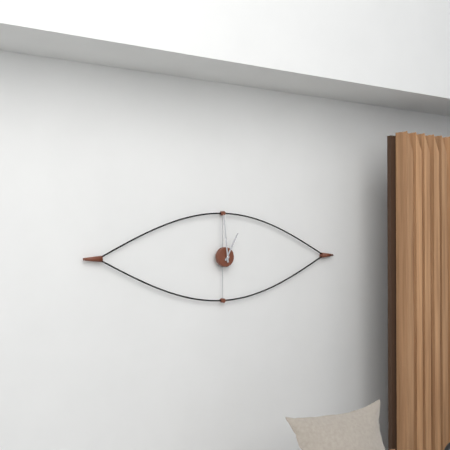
12:59
